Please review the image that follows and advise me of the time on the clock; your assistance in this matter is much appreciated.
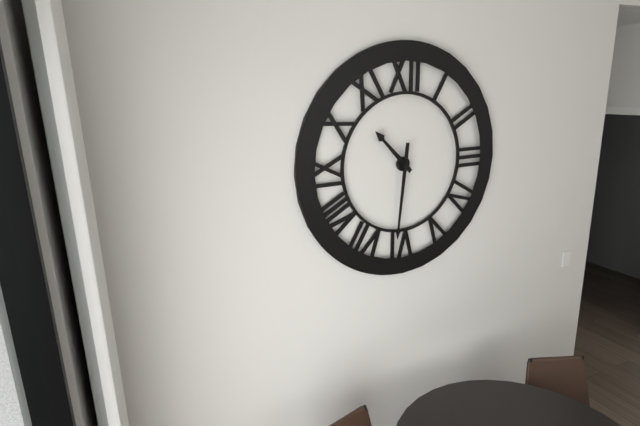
10:31
